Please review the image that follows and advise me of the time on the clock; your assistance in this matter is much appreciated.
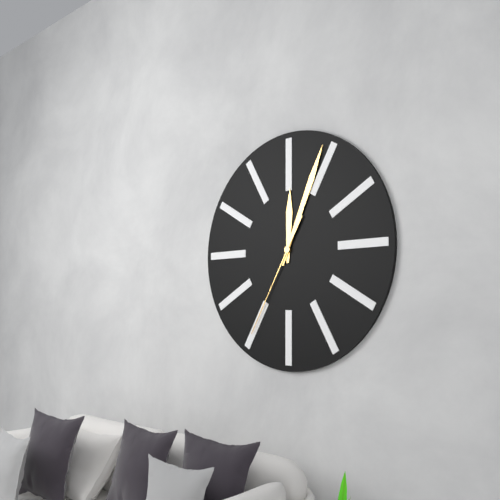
12:04:35
